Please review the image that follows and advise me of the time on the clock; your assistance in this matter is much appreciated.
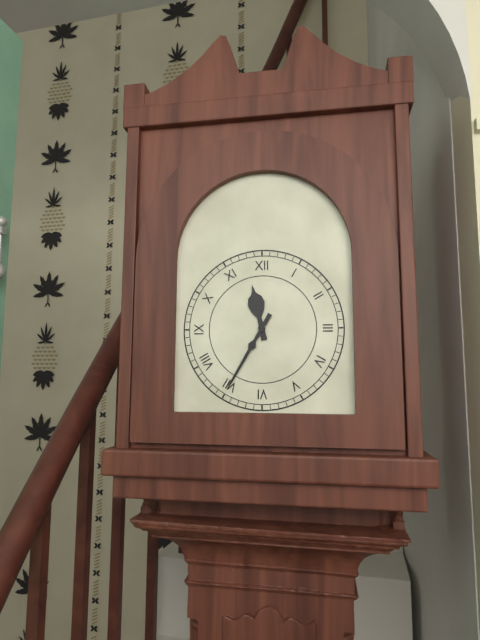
11:35
